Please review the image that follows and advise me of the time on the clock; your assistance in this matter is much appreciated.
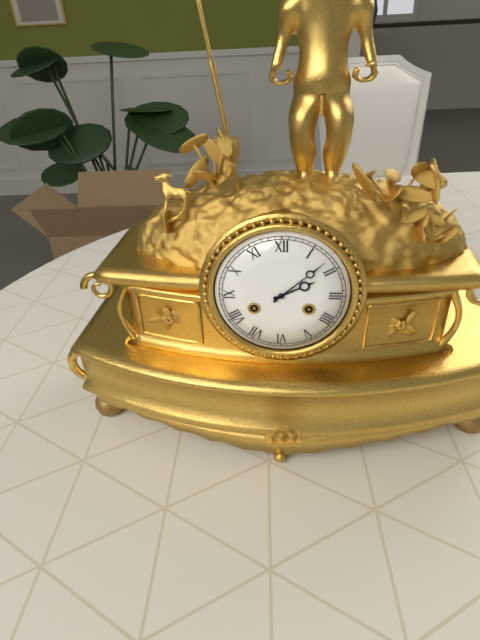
2:08
